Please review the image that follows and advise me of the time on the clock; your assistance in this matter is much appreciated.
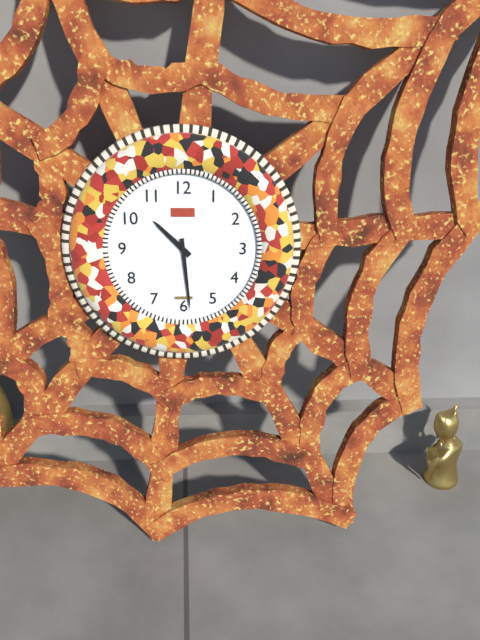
10:29
